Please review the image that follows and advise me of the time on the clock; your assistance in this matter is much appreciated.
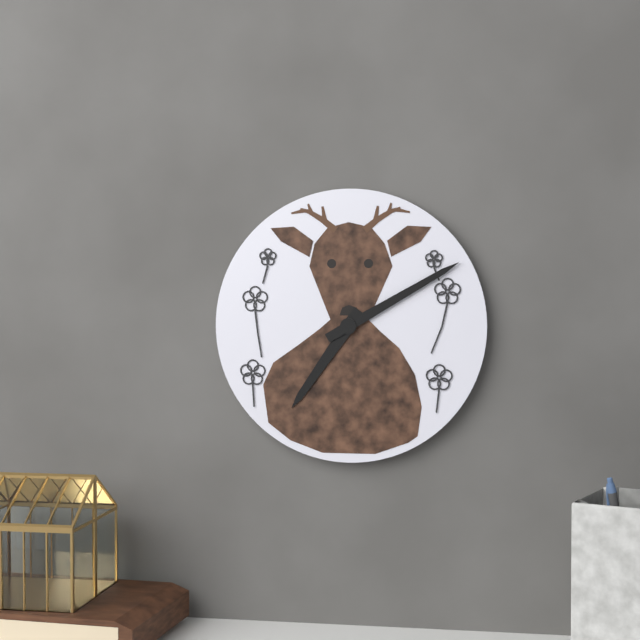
7:10
